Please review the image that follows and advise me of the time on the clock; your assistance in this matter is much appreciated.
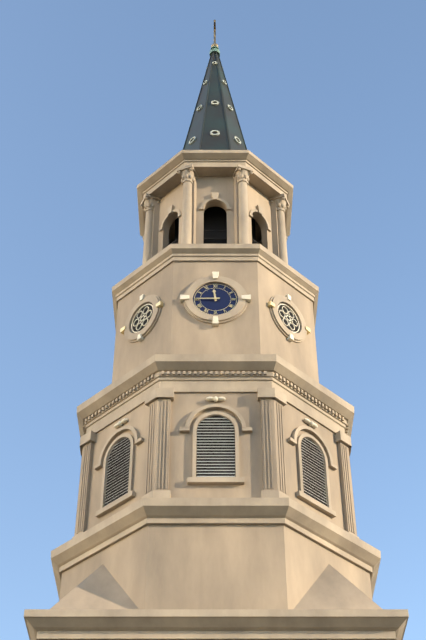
11:45
